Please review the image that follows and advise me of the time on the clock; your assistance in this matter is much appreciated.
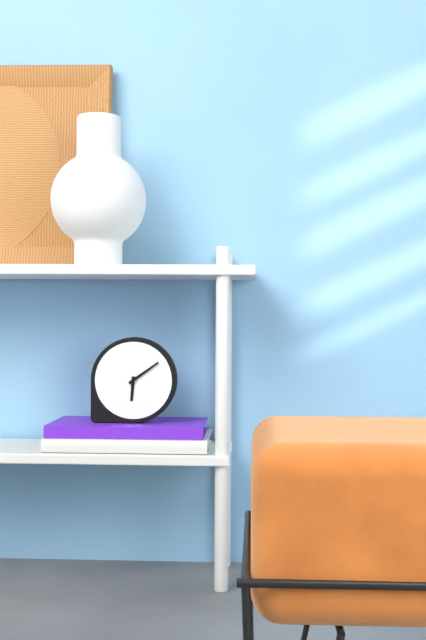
6:09
